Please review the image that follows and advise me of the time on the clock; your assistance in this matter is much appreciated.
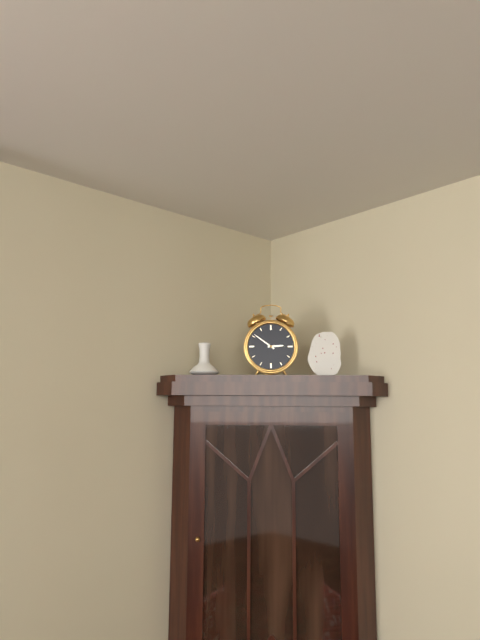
2:51
